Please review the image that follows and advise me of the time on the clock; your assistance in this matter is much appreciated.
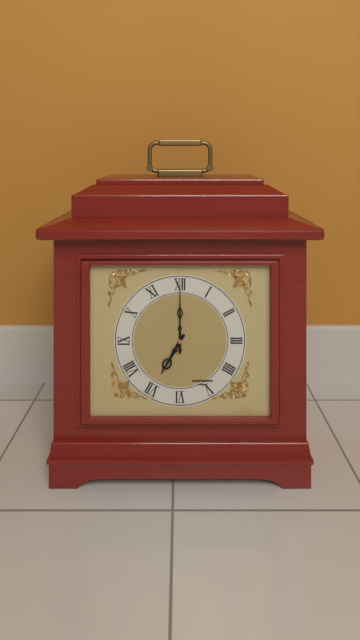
7:00
